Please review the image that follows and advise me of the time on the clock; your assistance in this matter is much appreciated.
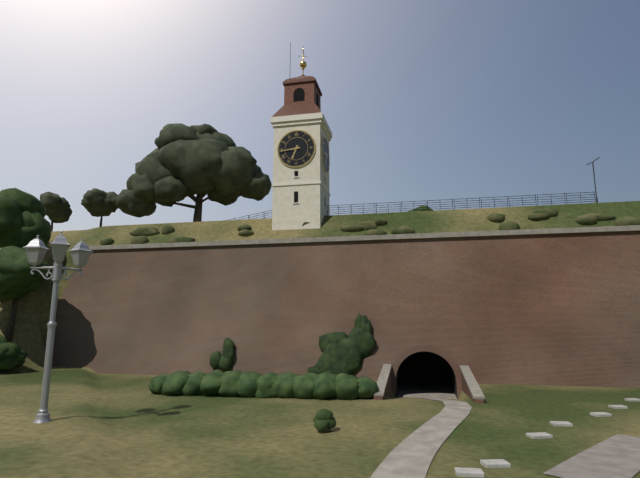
6:44
